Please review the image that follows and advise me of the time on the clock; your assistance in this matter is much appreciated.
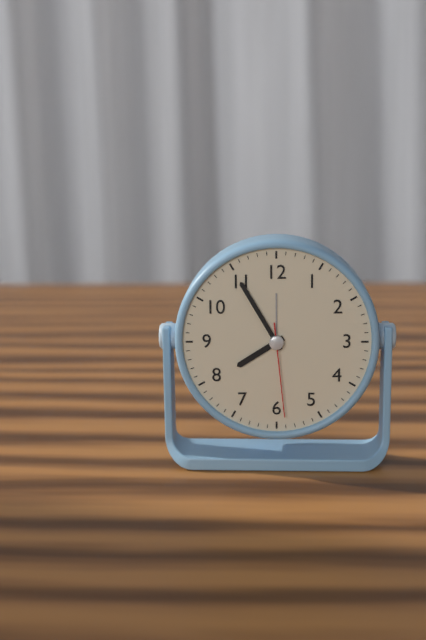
7:55:29
